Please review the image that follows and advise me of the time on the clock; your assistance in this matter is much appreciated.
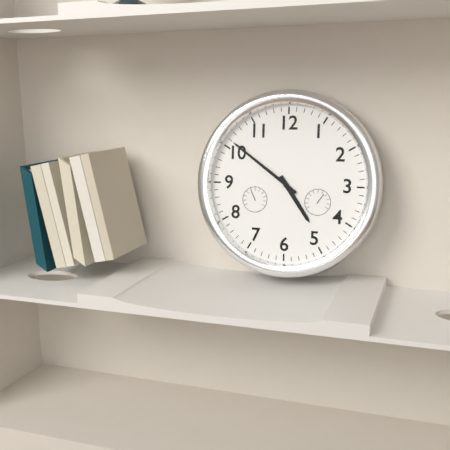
4:51
